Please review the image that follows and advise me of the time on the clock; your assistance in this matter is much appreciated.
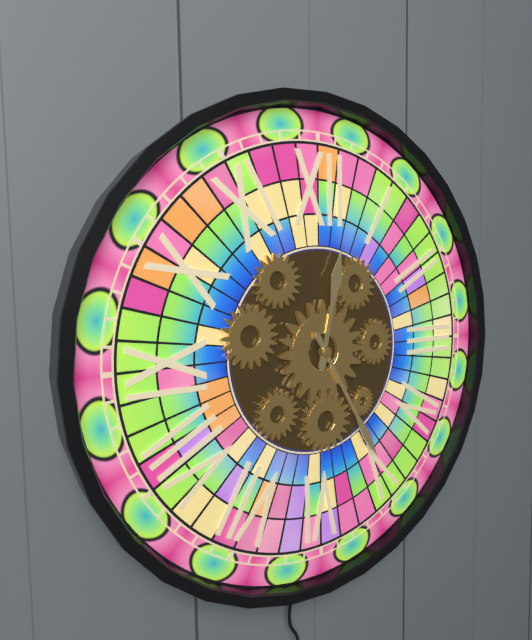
12:25
